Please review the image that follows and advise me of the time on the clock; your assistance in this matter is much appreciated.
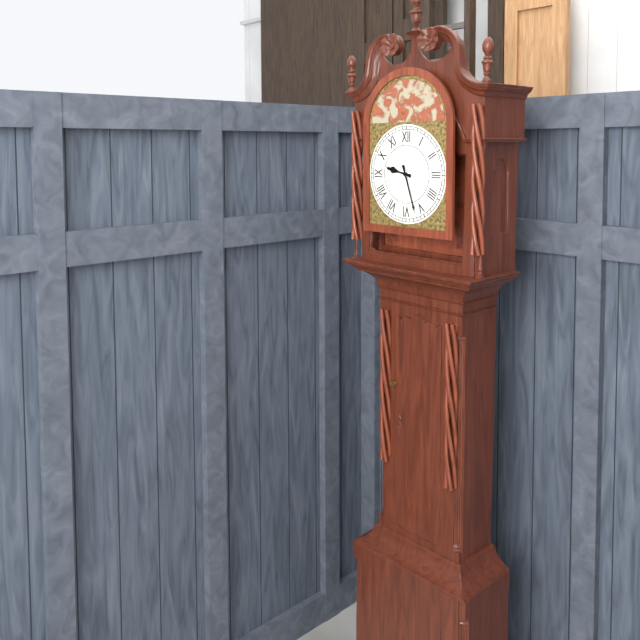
9:27
